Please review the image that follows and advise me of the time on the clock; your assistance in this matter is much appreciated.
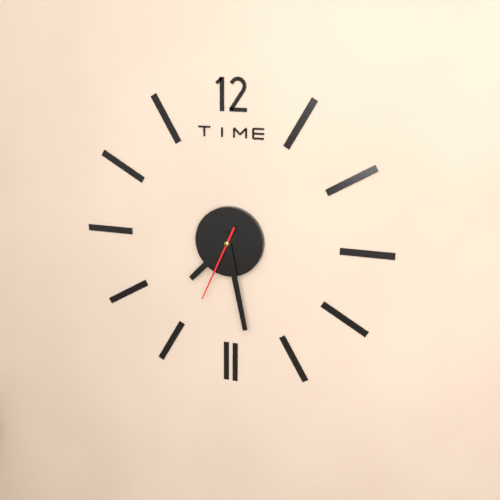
7:28:34
